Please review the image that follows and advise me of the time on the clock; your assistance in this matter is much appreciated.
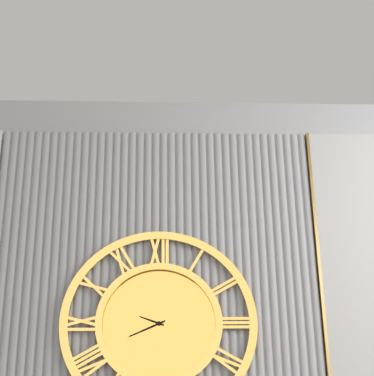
9:41
